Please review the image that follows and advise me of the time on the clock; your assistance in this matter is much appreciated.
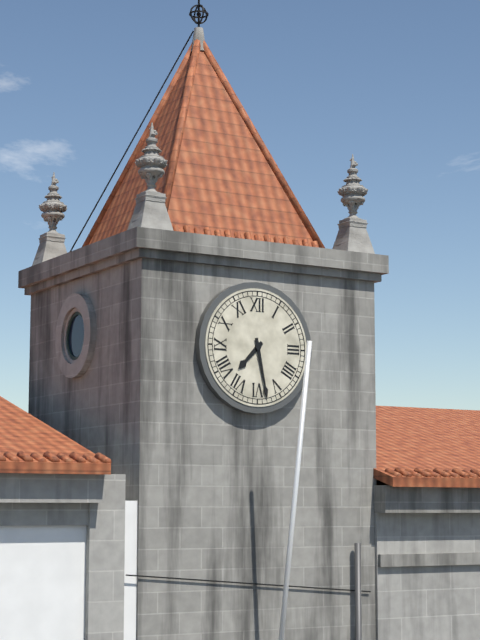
7:28
